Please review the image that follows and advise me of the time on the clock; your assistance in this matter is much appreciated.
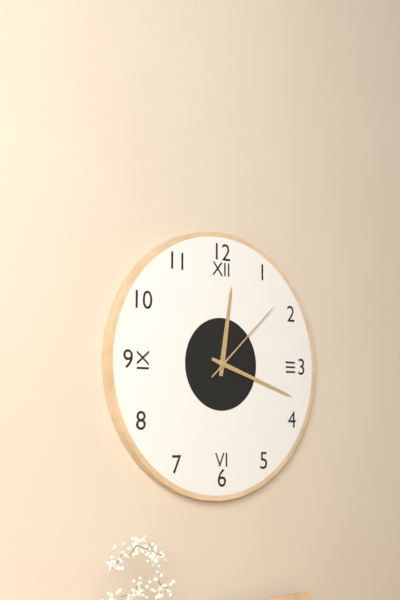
12:18:08
